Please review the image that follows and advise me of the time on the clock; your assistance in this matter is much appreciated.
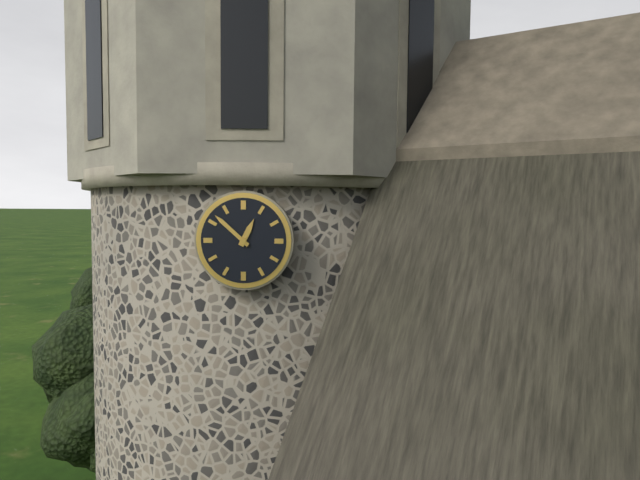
12:52
